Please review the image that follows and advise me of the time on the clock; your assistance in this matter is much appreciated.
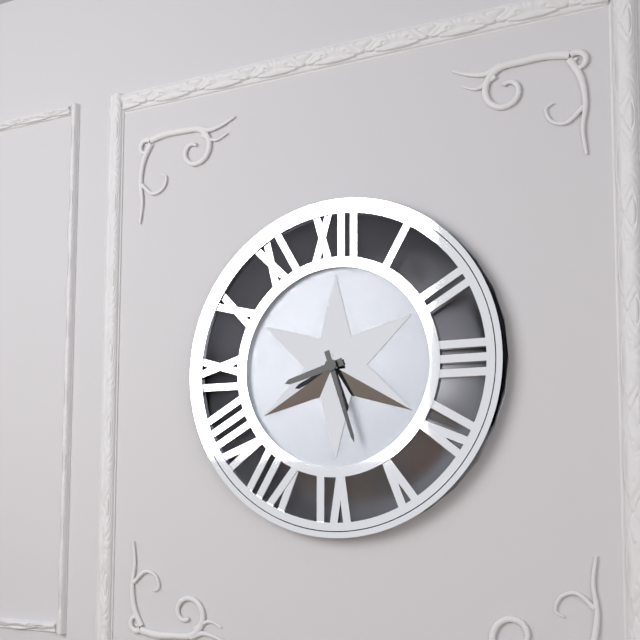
8:27
